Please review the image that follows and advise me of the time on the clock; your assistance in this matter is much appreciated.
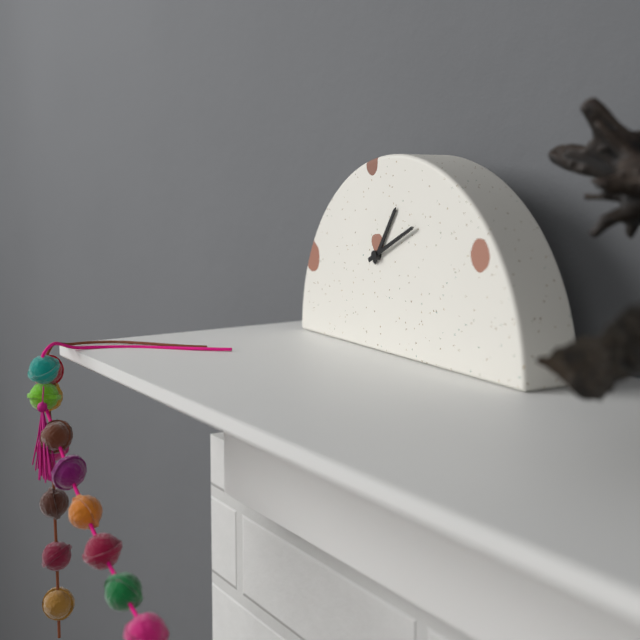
1:11
